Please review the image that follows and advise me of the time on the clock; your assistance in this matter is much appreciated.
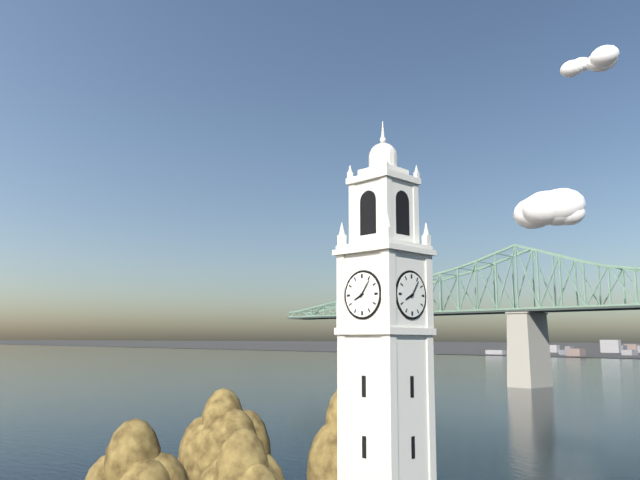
8:06
